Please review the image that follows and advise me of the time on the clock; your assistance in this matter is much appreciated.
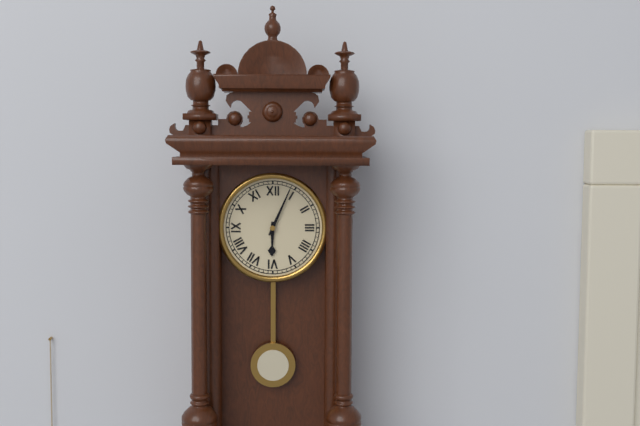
6:04
